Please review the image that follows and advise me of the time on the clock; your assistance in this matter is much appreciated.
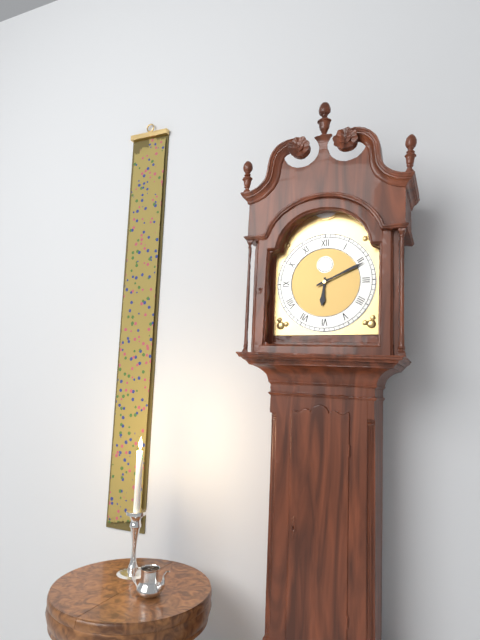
6:11
